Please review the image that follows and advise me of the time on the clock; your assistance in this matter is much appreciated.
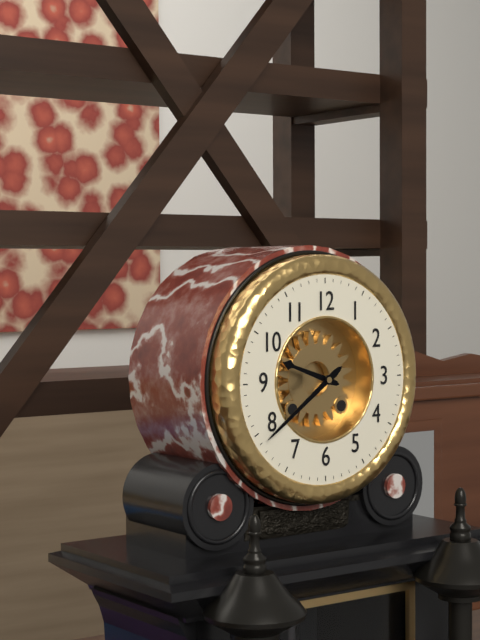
9:39
